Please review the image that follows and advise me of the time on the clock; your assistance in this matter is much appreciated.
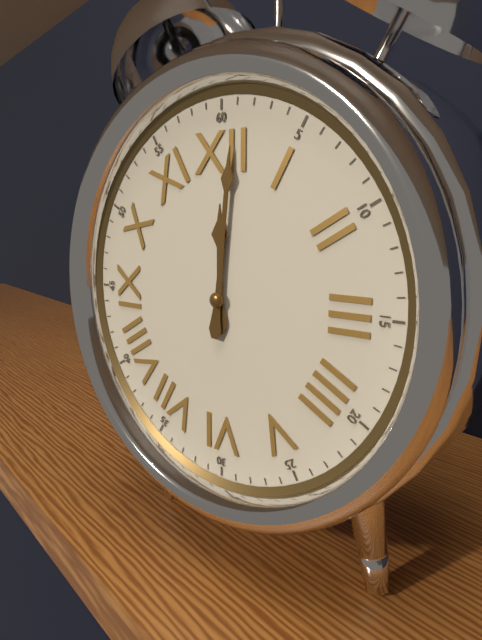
12:01
